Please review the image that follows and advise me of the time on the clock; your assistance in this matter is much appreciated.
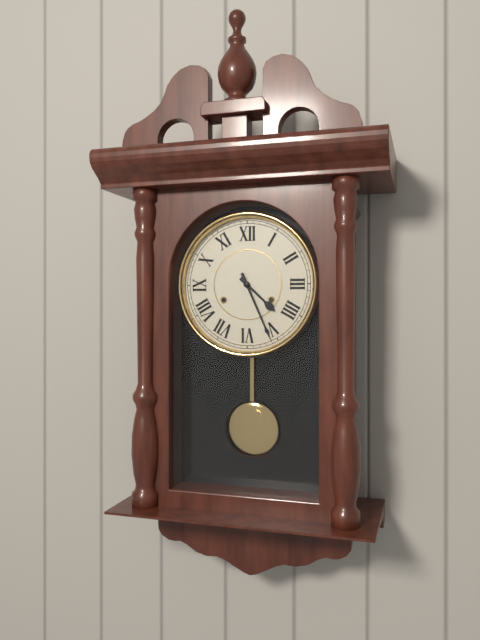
4:26
